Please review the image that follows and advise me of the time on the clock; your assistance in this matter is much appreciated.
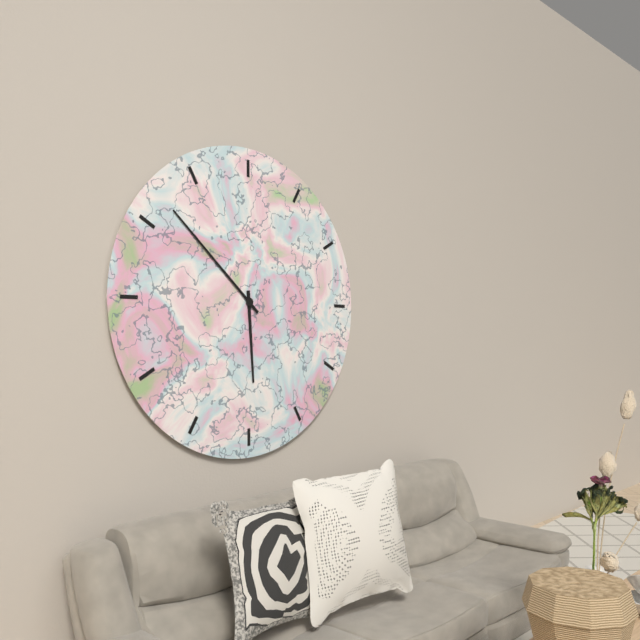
5:52
